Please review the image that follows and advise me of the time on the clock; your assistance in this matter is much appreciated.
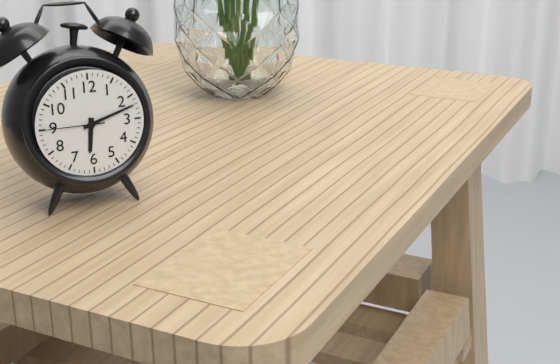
6:12:45
